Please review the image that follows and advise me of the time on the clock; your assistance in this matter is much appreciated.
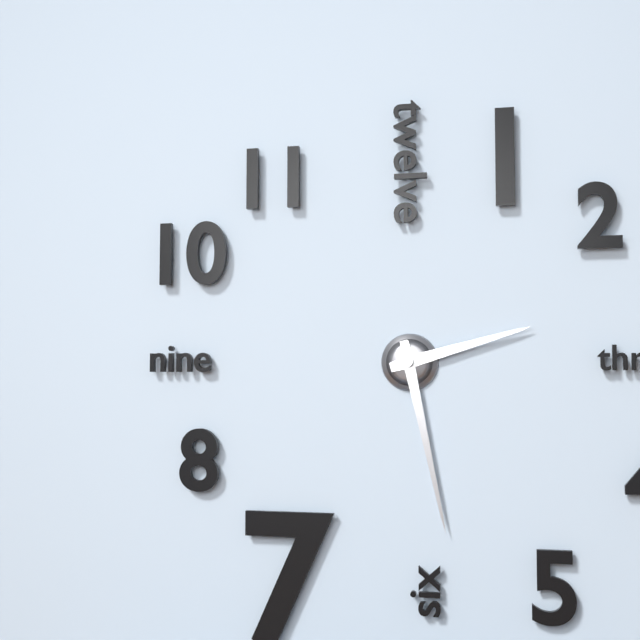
2:28
